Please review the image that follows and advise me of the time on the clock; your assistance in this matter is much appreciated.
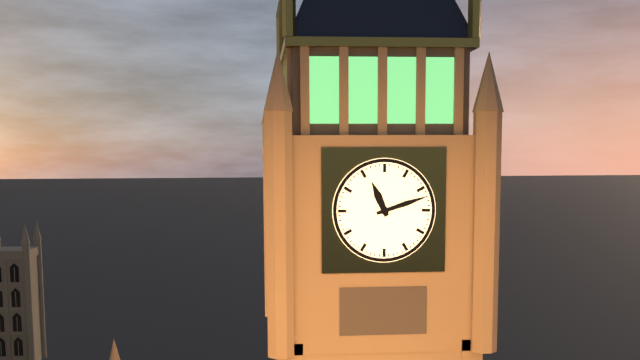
11:12
